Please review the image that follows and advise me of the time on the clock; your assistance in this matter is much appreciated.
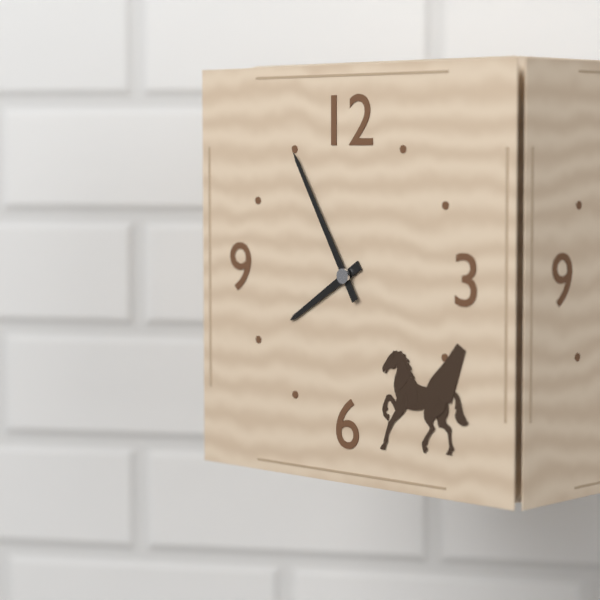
7:55
